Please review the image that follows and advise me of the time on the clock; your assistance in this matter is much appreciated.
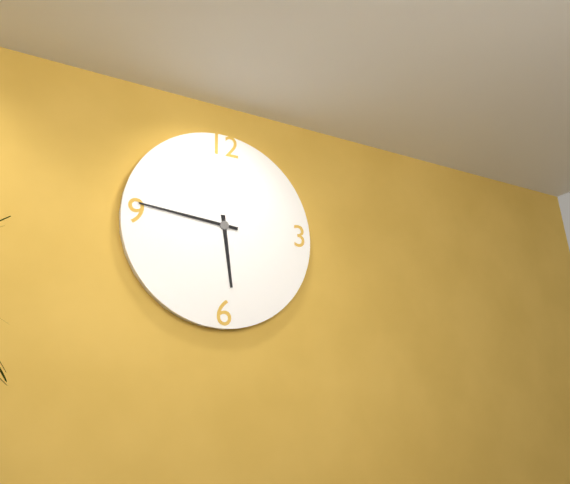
5:46
